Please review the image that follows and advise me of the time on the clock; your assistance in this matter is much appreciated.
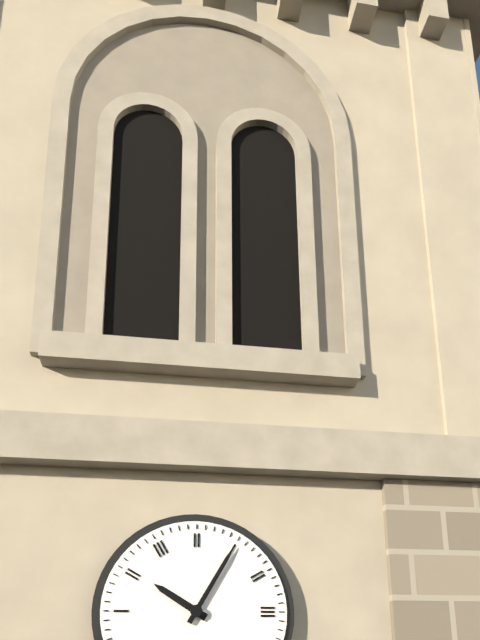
10:05
